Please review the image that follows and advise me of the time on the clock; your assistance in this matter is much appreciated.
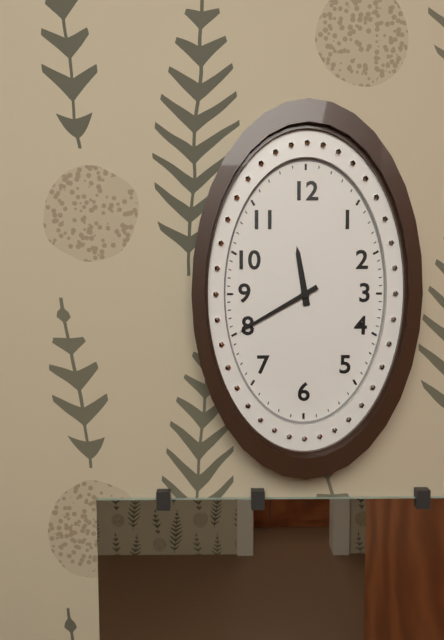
11:40
